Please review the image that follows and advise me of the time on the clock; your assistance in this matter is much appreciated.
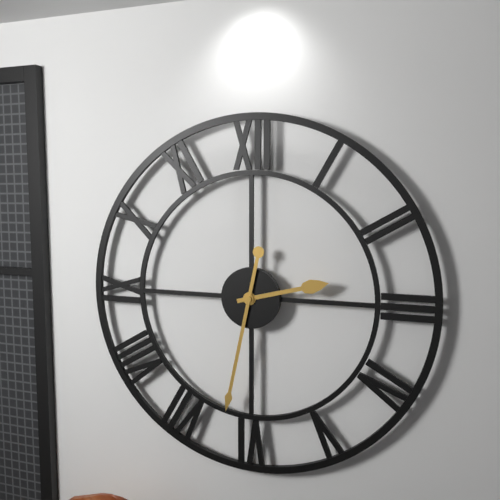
2:32
